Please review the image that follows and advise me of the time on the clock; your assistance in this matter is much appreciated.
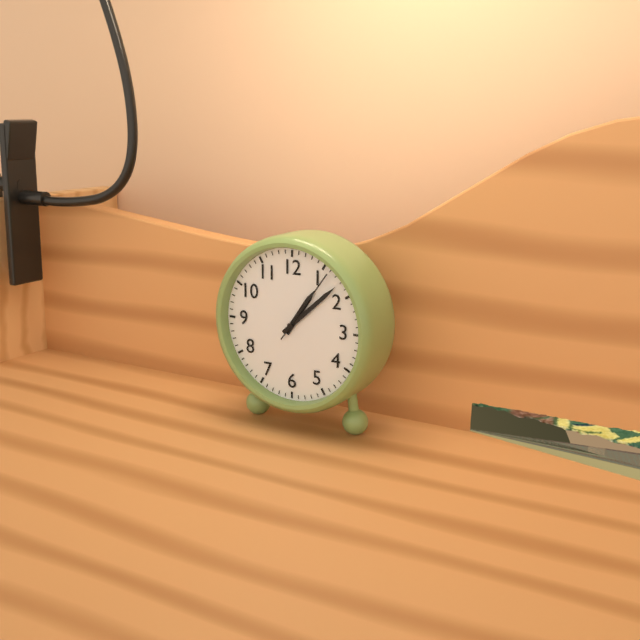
1:08:06
